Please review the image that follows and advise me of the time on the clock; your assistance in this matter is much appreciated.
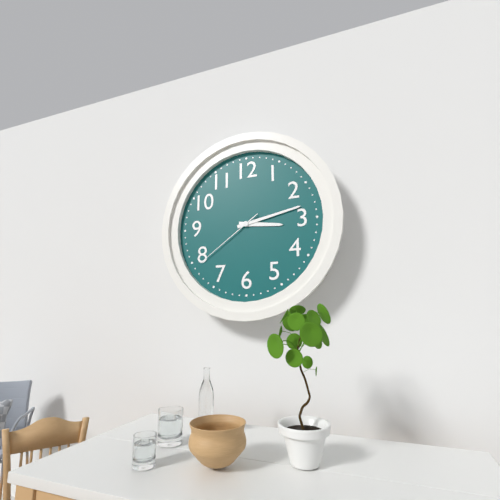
3:13:39
